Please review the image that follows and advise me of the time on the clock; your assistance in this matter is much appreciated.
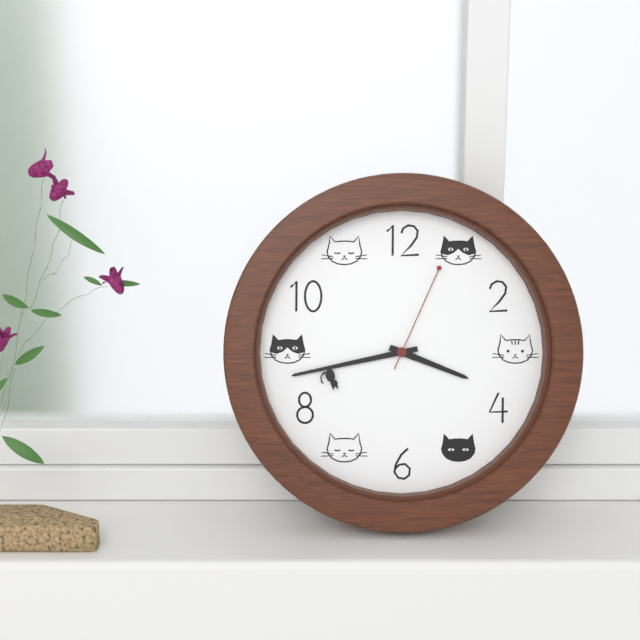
3:43:04
